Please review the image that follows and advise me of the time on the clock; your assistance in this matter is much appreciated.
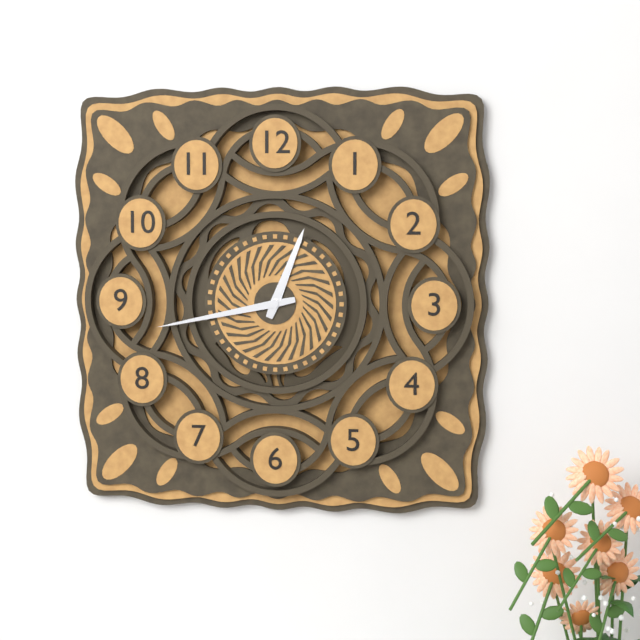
12:43
